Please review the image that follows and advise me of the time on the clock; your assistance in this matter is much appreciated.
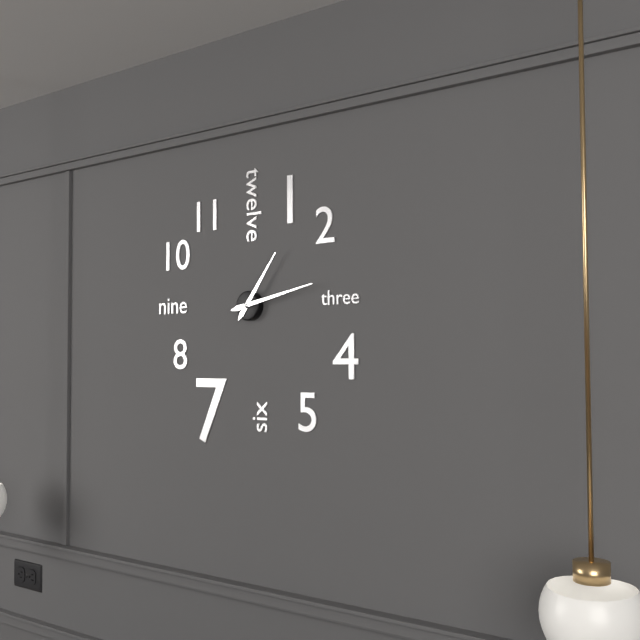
1:13
